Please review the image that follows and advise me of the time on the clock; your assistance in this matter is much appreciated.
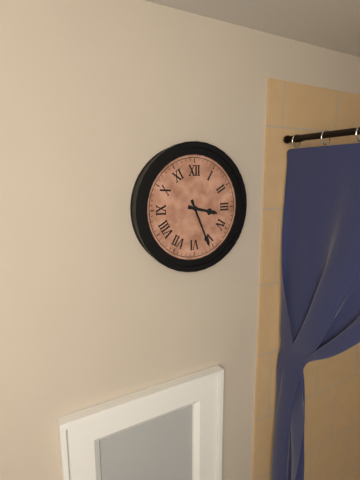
3:26
